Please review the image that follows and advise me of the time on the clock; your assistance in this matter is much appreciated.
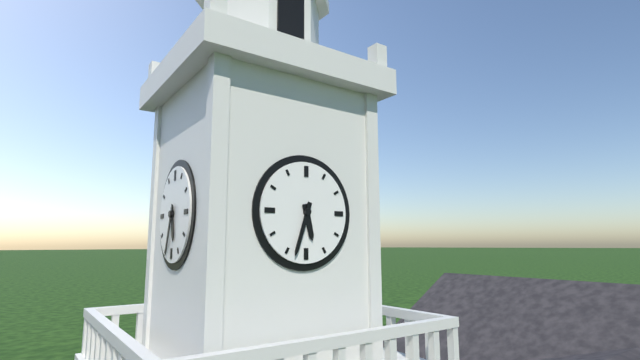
5:33
